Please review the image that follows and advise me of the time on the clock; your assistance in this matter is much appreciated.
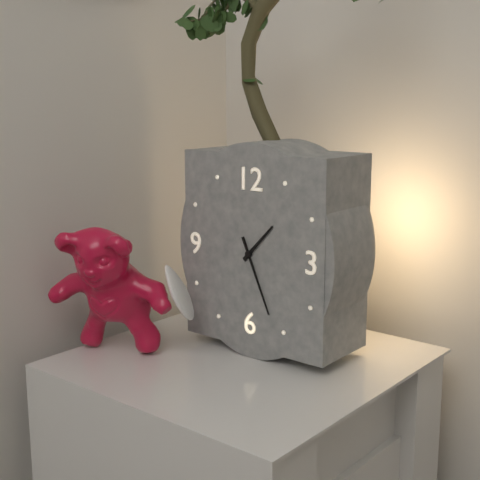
1:26
